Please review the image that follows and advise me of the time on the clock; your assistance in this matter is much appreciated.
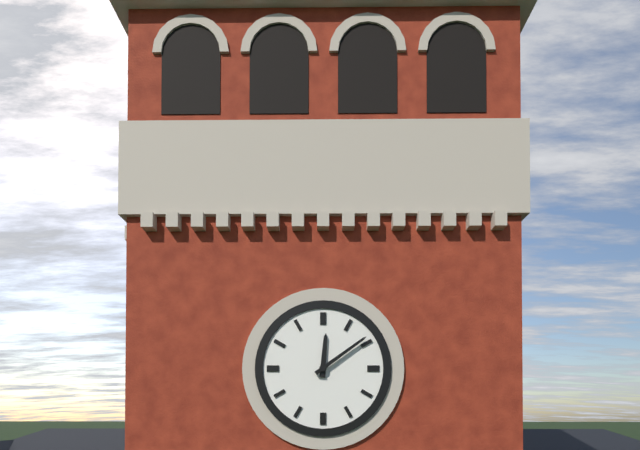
12:09
